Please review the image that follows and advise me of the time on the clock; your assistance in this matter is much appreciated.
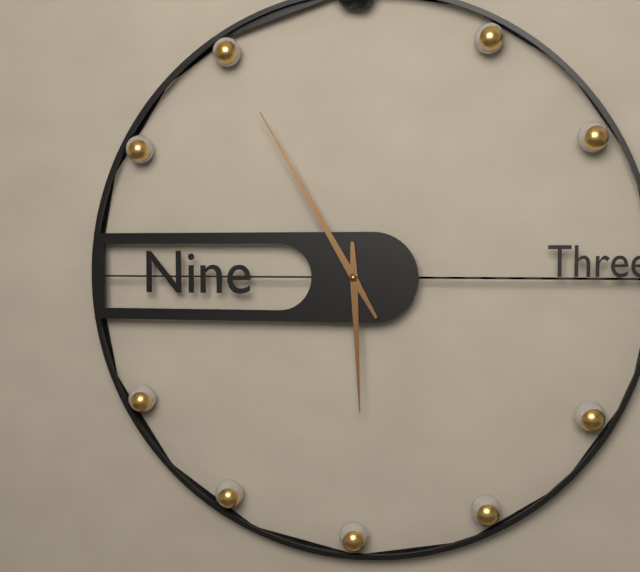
5:55
